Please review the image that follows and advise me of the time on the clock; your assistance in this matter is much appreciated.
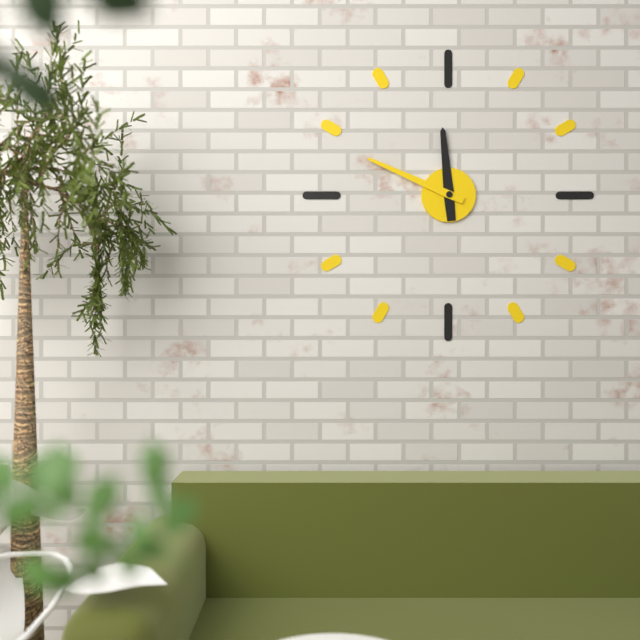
11:49
